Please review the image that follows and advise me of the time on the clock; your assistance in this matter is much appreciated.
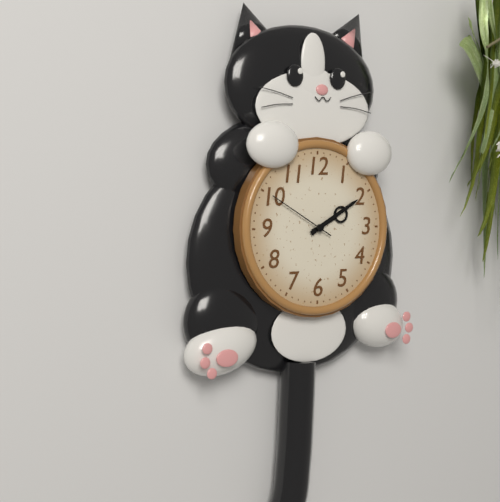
2:10:50
